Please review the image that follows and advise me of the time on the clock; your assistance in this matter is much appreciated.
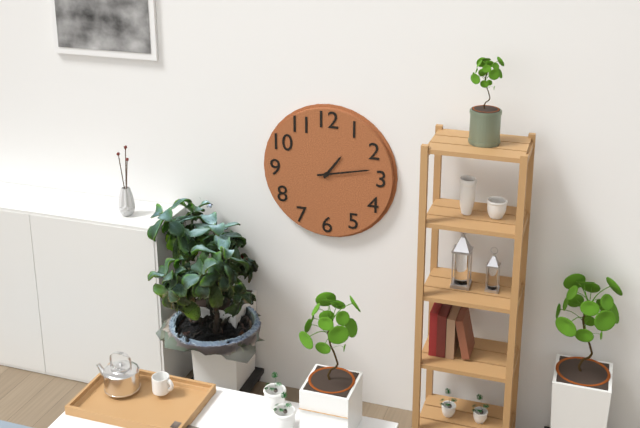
1:13
